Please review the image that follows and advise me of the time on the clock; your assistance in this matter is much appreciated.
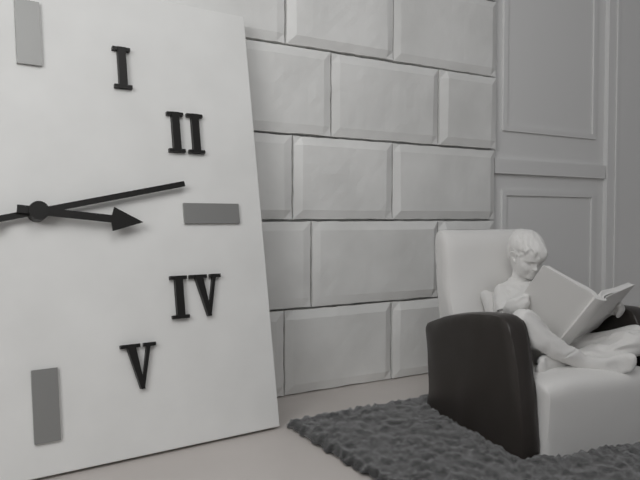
3:13
